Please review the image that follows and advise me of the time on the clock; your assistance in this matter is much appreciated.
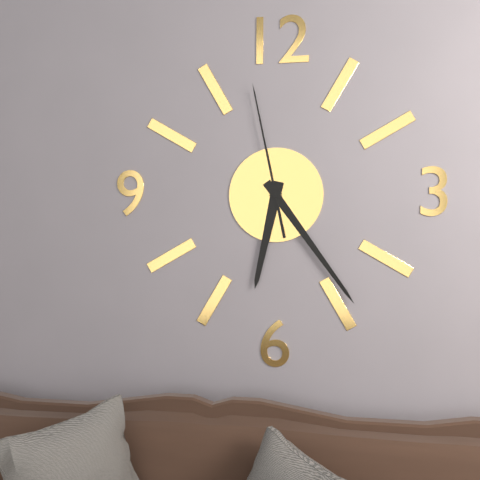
6:24:58
